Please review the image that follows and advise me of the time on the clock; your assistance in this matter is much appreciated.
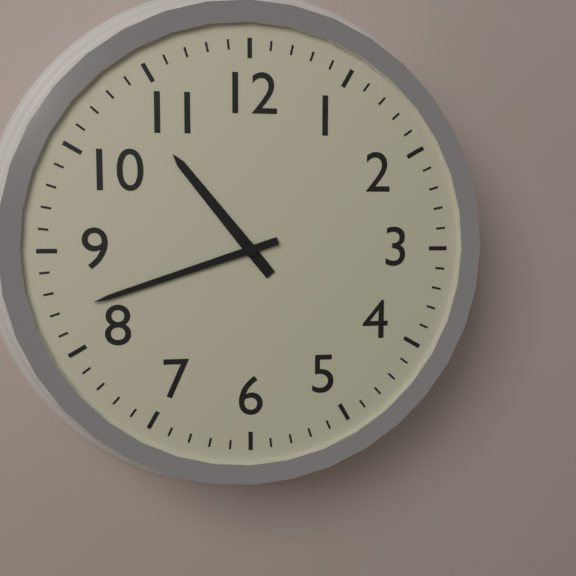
10:42
